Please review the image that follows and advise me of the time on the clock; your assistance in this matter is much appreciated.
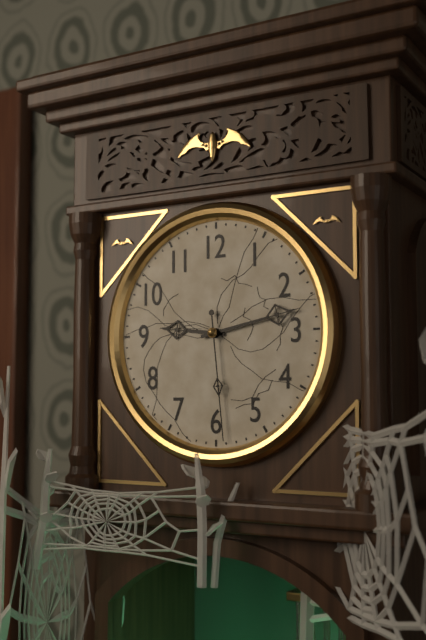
9:13:29
